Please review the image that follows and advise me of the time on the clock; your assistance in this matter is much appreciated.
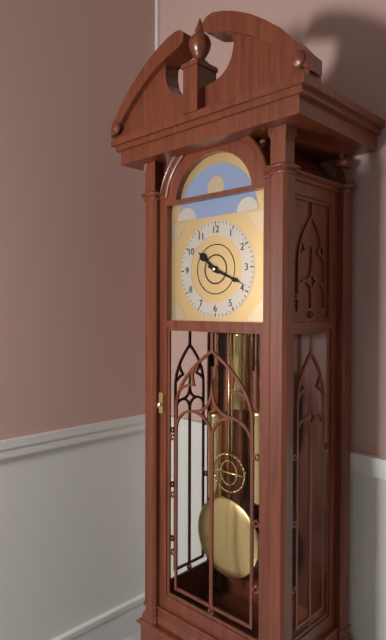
10:19
